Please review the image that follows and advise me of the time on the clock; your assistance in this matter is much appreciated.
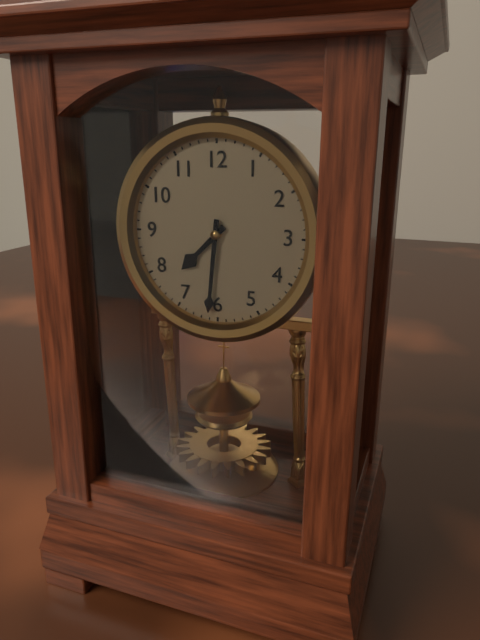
7:31
